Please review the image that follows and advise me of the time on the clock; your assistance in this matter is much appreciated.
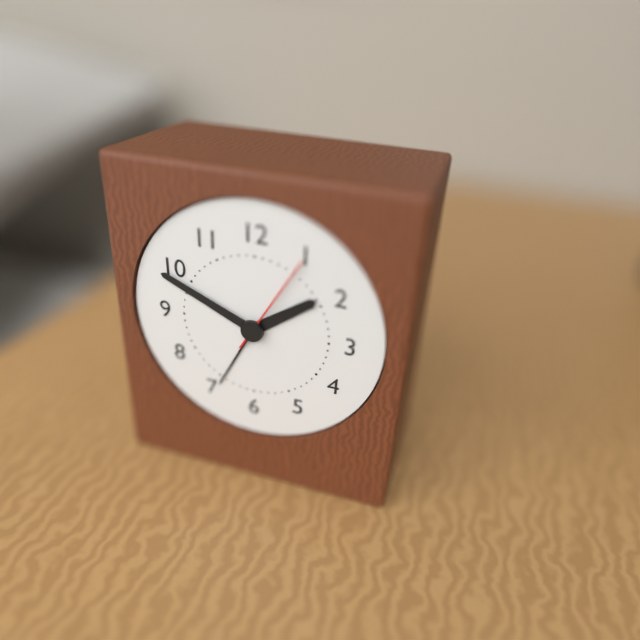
1:49:05
